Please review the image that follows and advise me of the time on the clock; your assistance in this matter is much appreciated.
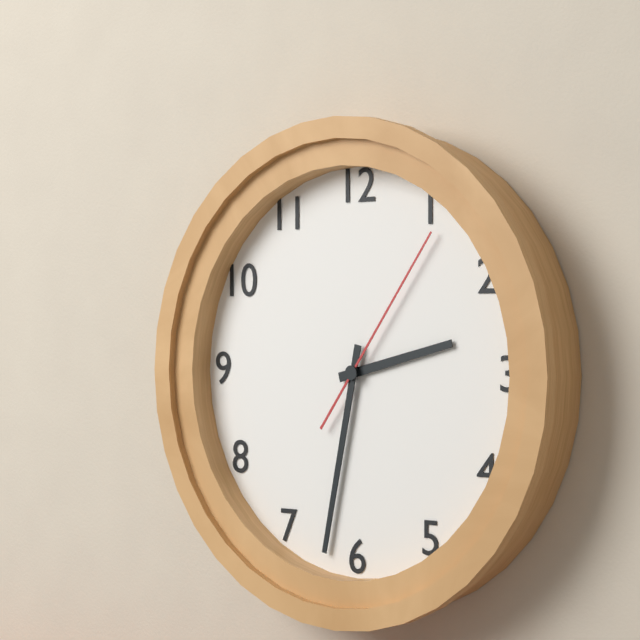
2:32:06
